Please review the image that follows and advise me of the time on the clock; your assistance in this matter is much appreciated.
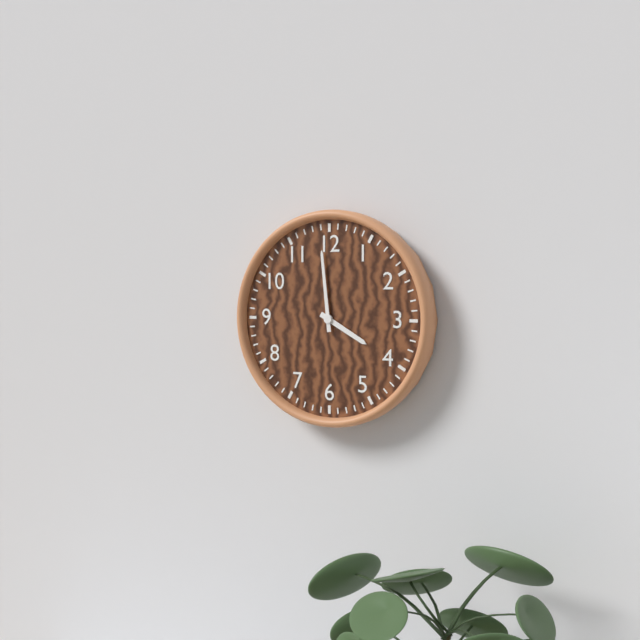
3:59
